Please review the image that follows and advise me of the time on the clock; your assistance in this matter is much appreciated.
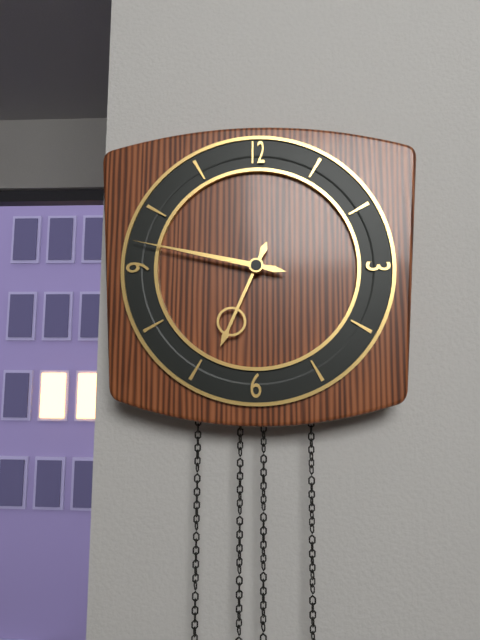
6:47
